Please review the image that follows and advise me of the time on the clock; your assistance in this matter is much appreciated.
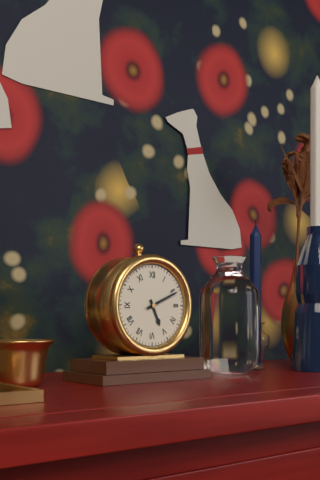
5:11
